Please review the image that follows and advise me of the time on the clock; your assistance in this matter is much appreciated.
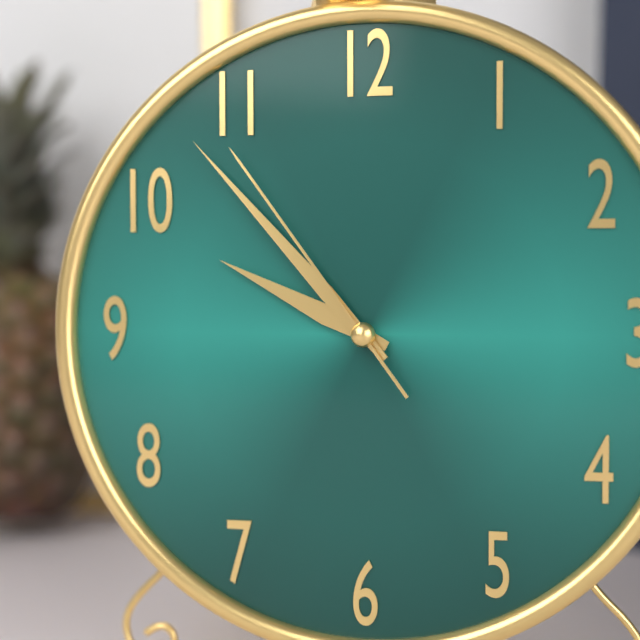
9:53:54
